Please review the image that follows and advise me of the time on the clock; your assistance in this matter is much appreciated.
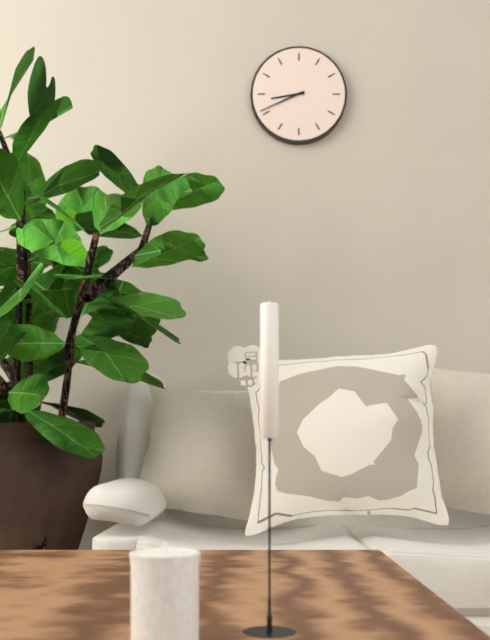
8:41
